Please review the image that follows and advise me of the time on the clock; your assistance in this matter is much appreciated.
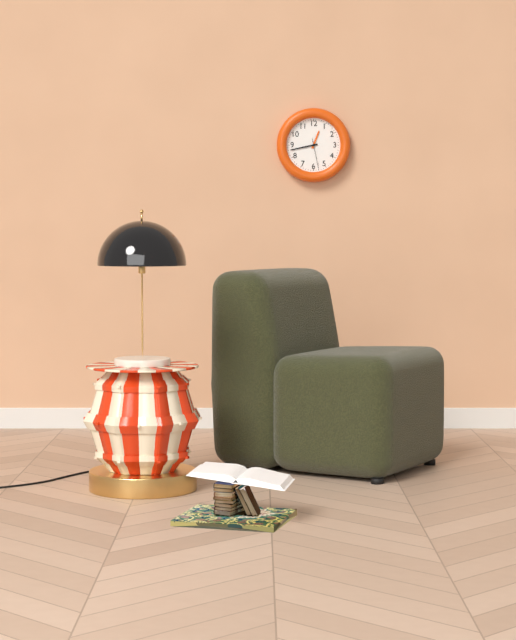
12:43
